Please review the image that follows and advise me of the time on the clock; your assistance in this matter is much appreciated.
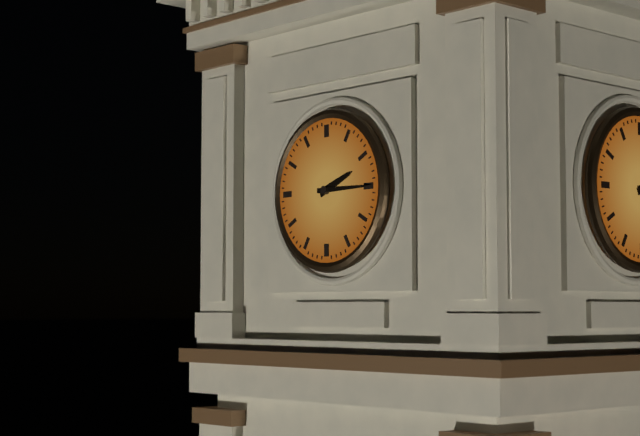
2:15
